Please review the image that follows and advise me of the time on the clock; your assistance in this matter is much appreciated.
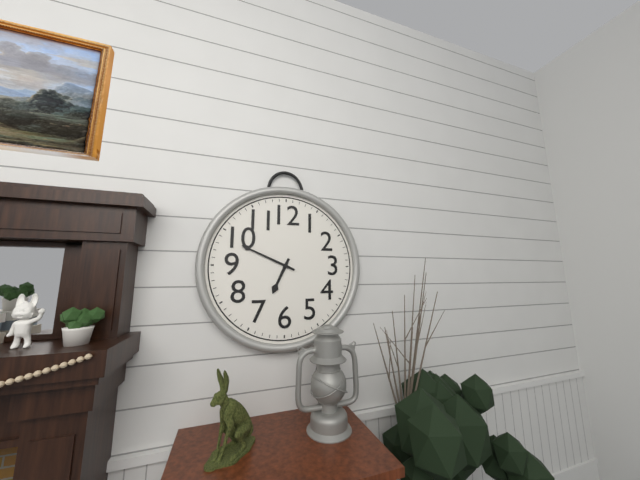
6:49
